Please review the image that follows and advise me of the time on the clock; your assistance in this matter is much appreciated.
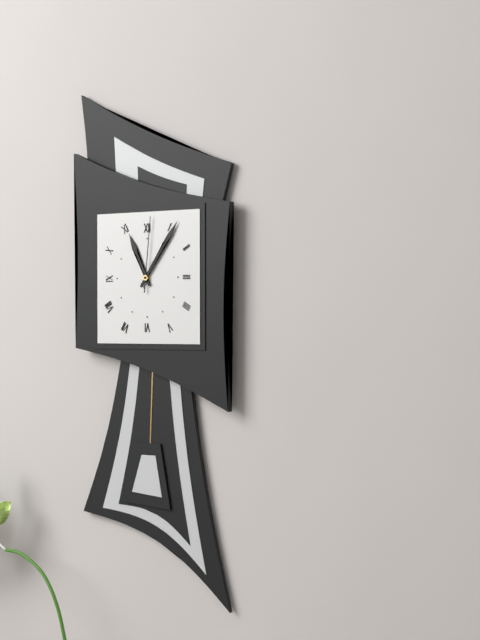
11:06:01
